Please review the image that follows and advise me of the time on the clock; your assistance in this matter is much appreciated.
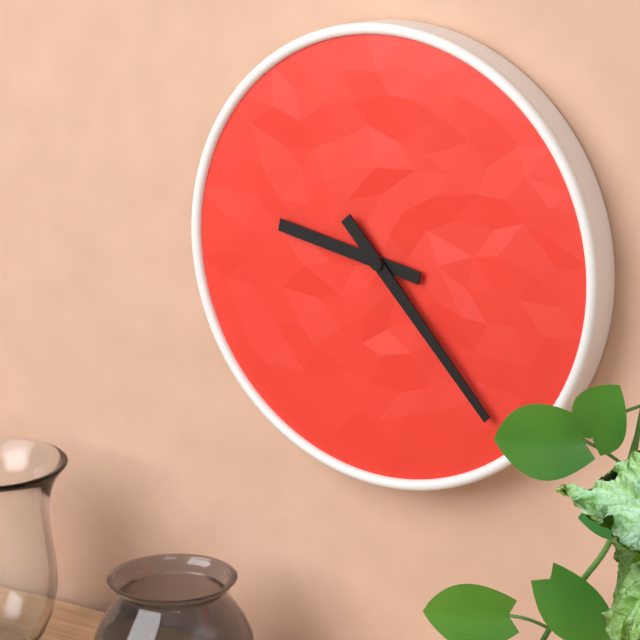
9:23
